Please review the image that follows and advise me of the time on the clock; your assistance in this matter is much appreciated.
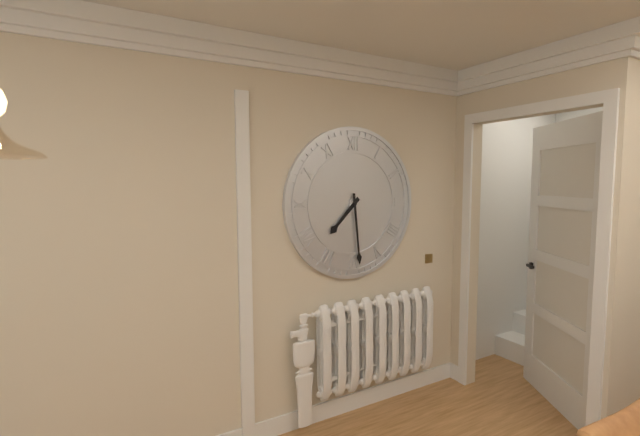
7:29
